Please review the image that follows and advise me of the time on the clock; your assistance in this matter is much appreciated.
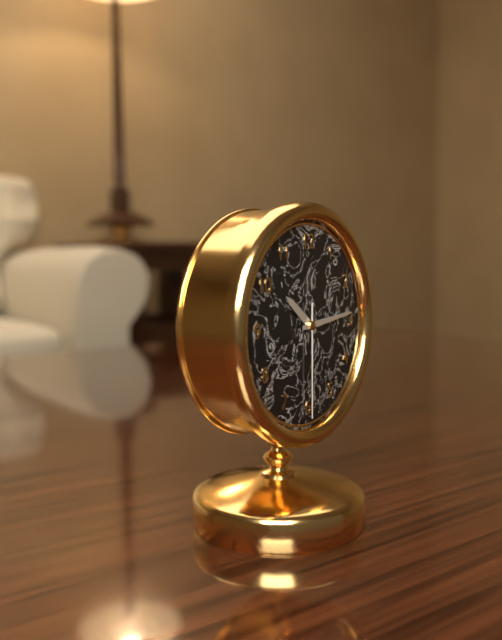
10:14:30
